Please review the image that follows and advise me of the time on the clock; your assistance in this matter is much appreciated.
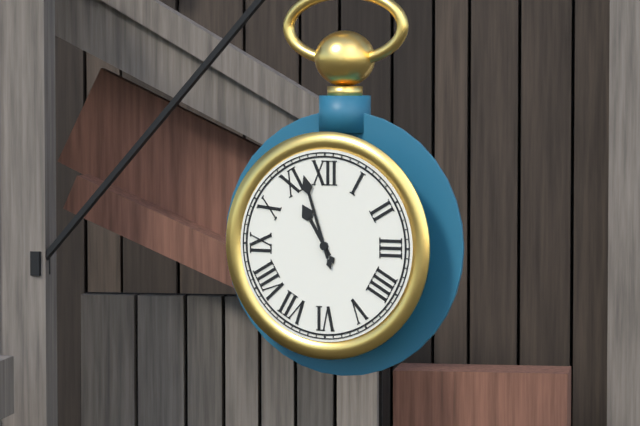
10:57
